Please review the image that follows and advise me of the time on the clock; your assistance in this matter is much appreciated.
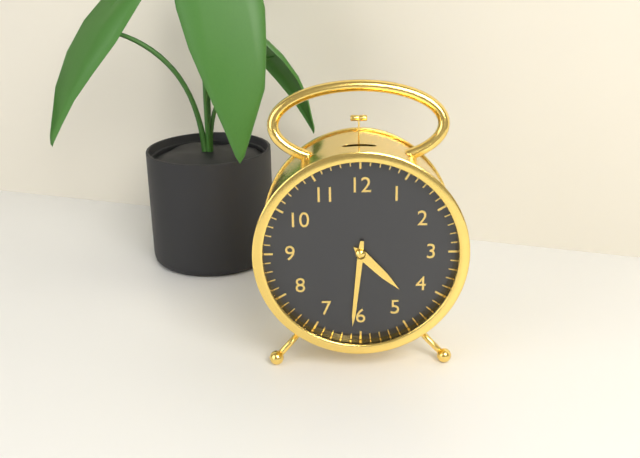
4:31
